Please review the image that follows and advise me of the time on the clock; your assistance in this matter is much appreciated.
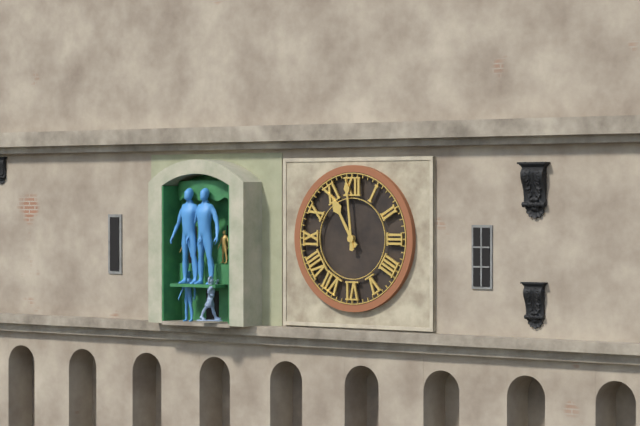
10:59
